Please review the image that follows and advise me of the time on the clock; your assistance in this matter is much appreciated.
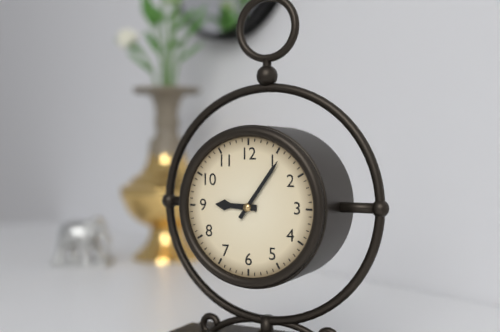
9:06
